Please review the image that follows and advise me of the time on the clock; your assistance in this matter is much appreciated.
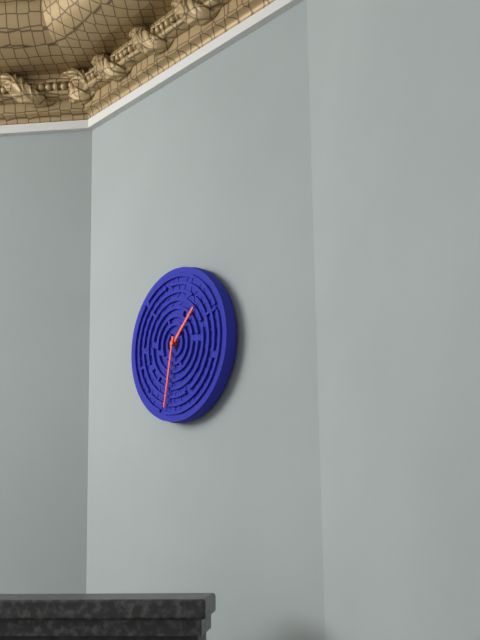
1:32
